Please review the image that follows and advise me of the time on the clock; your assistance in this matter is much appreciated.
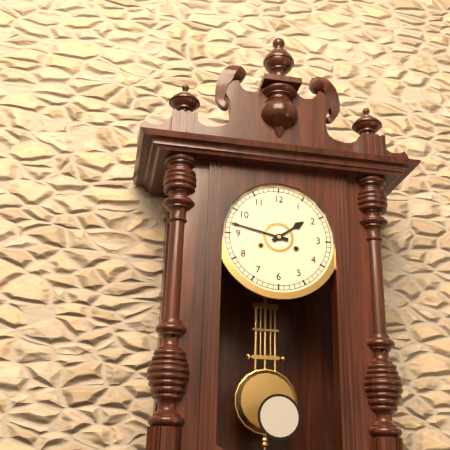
1:47
